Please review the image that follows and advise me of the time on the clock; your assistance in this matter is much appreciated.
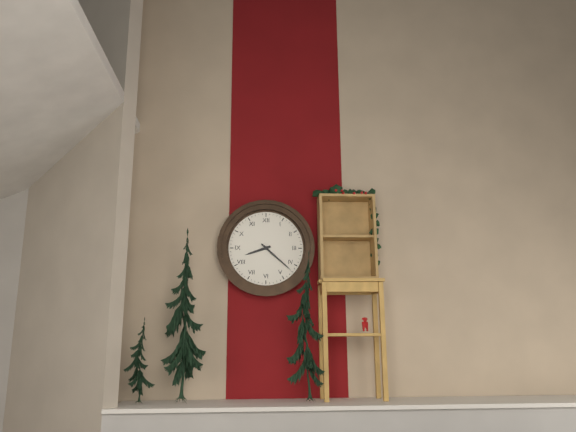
8:22
